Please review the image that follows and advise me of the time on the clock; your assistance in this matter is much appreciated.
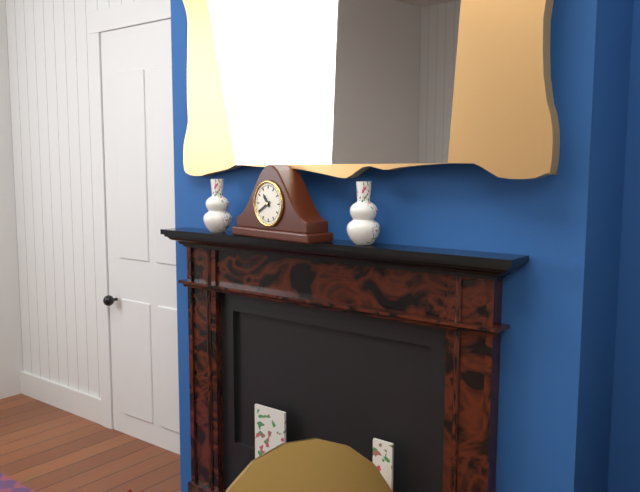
10:40
